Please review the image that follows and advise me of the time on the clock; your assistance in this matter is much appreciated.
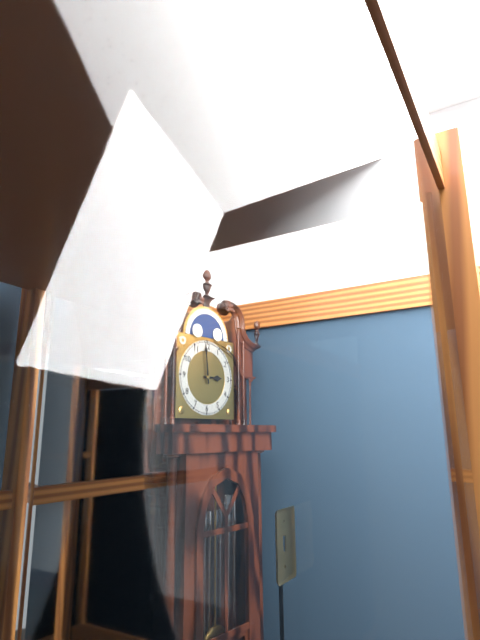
2:59
